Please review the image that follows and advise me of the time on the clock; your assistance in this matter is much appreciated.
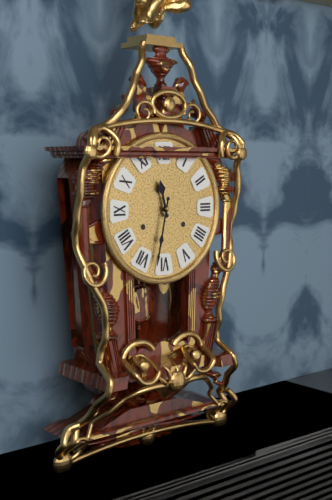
11:32
